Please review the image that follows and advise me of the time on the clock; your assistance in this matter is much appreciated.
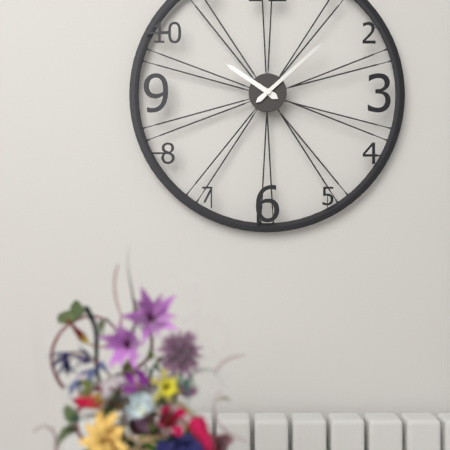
10:08
